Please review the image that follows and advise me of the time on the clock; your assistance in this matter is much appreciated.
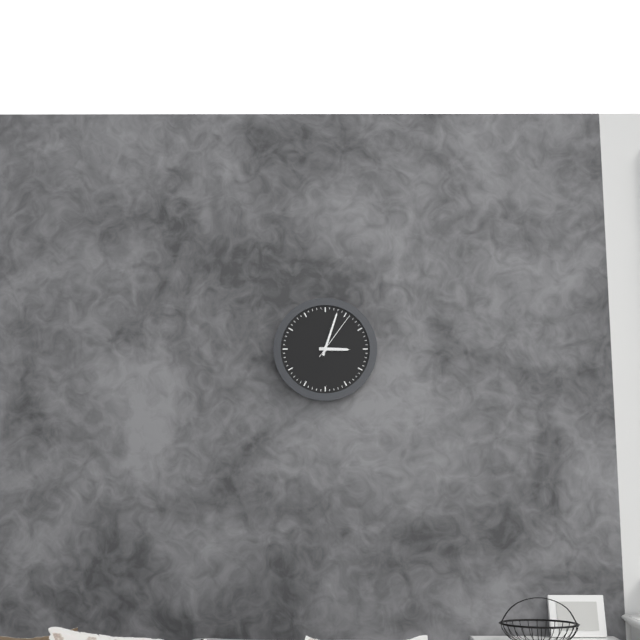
3:03:06
